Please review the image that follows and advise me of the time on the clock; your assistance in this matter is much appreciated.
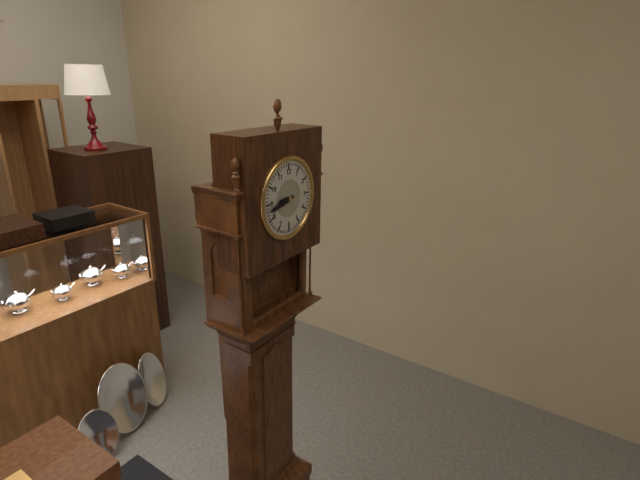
8:43
